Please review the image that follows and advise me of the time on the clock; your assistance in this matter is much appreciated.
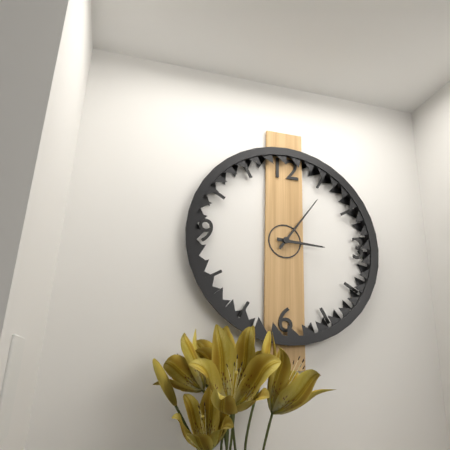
3:06
